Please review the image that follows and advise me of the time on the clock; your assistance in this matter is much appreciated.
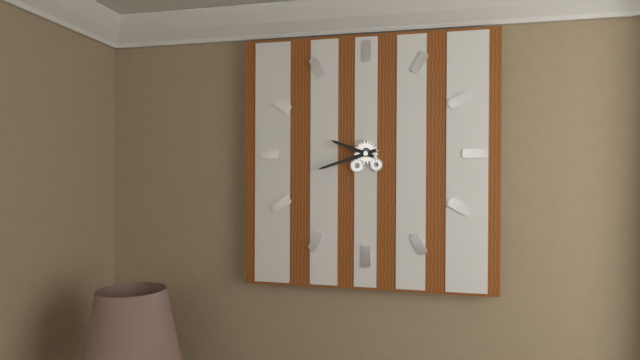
9:42
